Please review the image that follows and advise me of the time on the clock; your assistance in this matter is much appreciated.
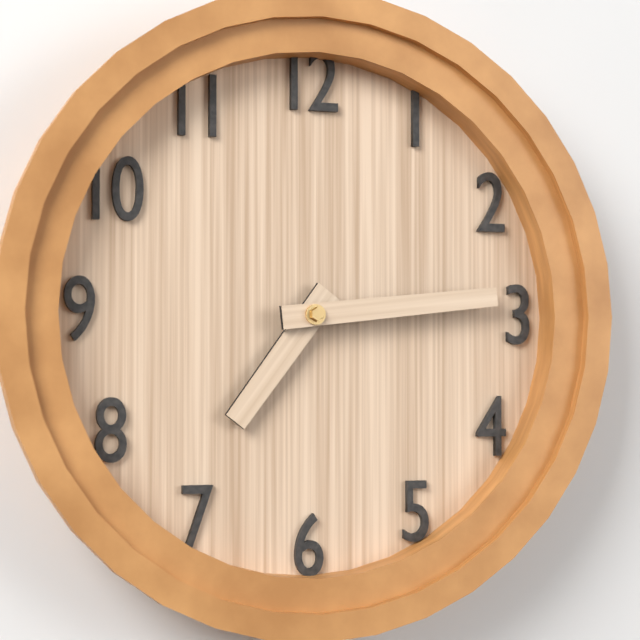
7:14
